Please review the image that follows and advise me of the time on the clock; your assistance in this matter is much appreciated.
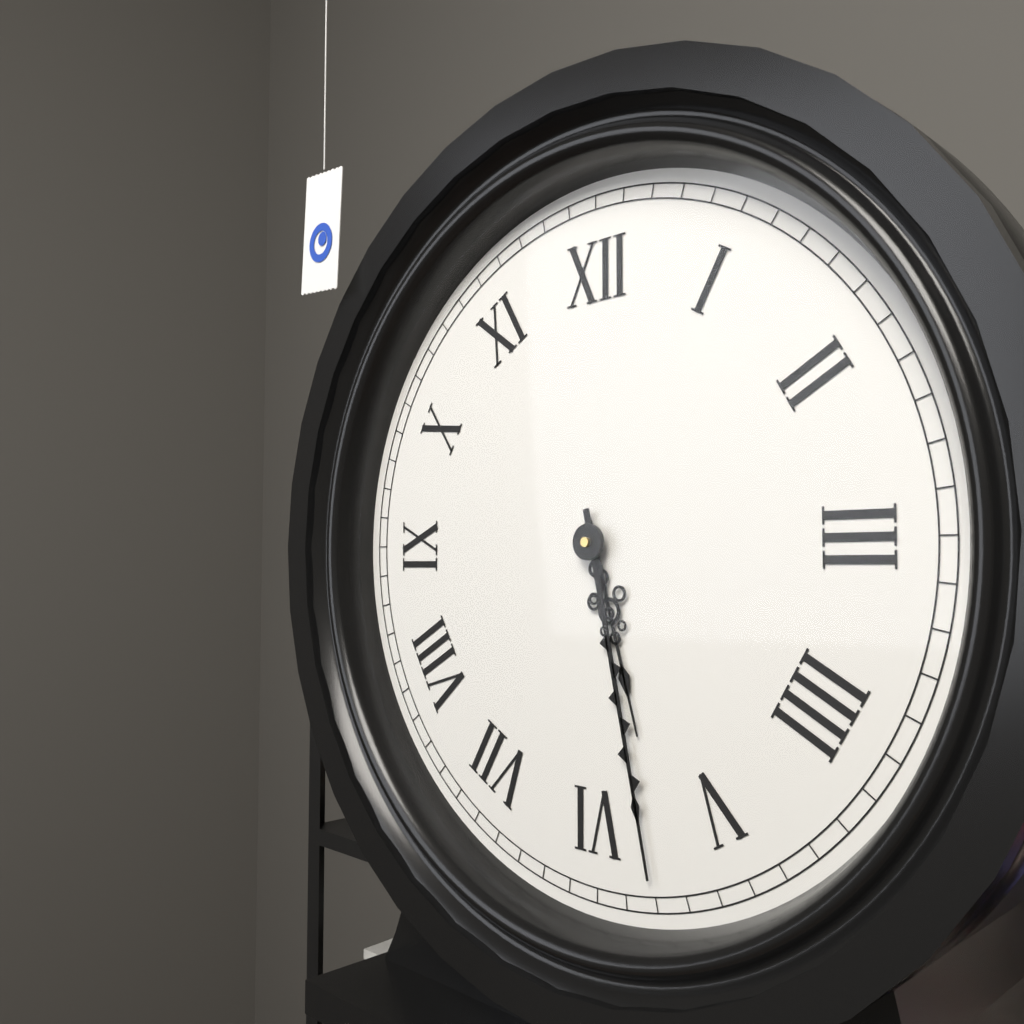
5:28
